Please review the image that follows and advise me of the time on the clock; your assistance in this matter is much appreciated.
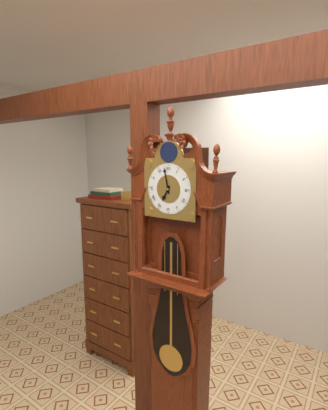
6:58
